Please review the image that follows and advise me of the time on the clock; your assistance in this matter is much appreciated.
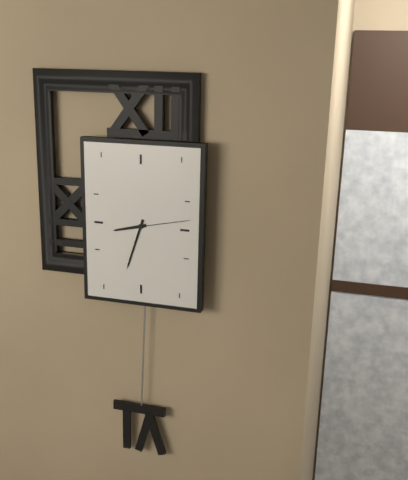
8:33:13
